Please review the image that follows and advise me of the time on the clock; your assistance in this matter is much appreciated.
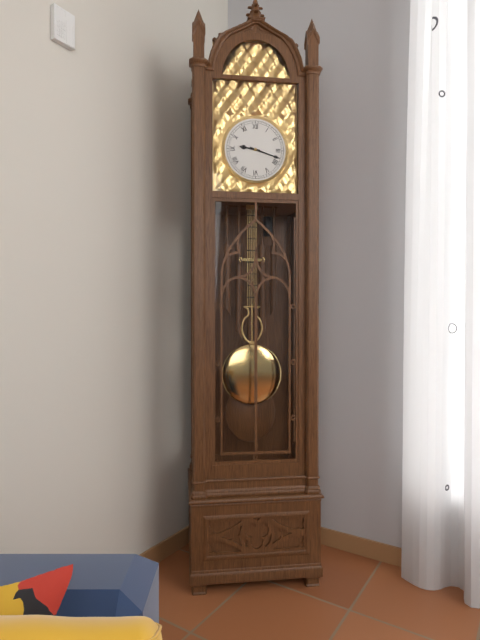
9:18
